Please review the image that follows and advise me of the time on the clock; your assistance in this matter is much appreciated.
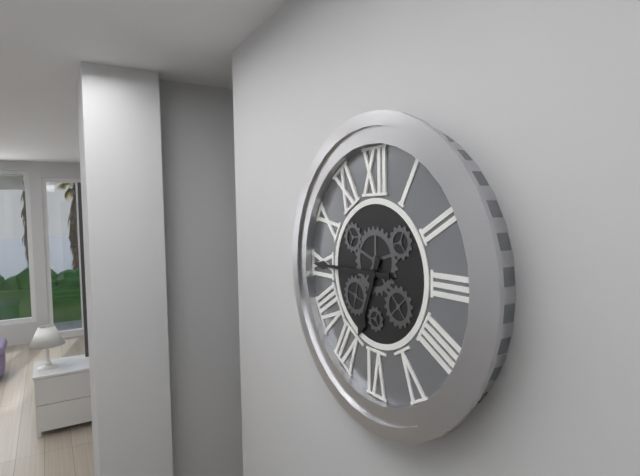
6:45
